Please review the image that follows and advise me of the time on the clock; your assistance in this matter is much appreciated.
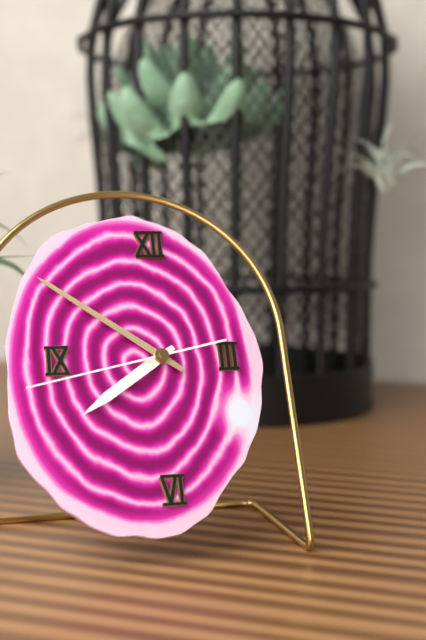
7:51:43
